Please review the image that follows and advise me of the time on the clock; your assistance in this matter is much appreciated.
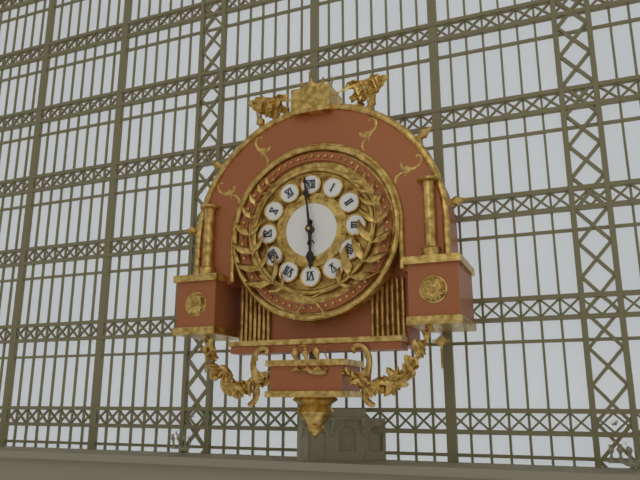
5:59
